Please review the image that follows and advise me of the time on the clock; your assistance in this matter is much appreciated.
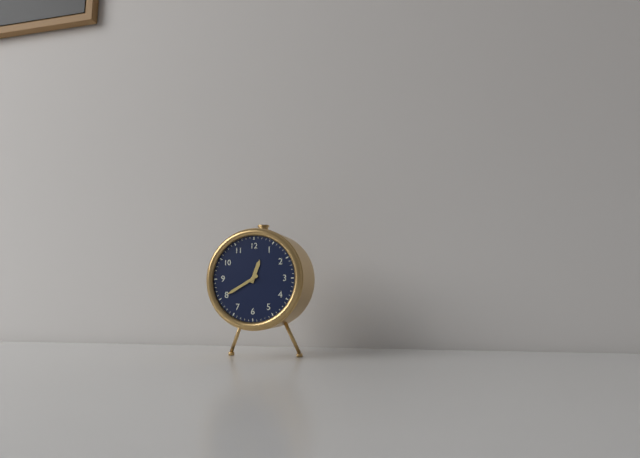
12:40
